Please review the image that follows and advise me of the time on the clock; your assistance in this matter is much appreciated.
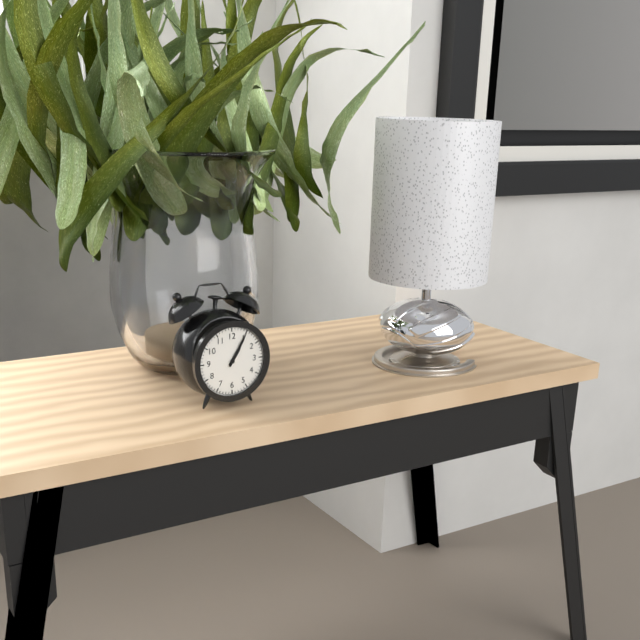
1:05
